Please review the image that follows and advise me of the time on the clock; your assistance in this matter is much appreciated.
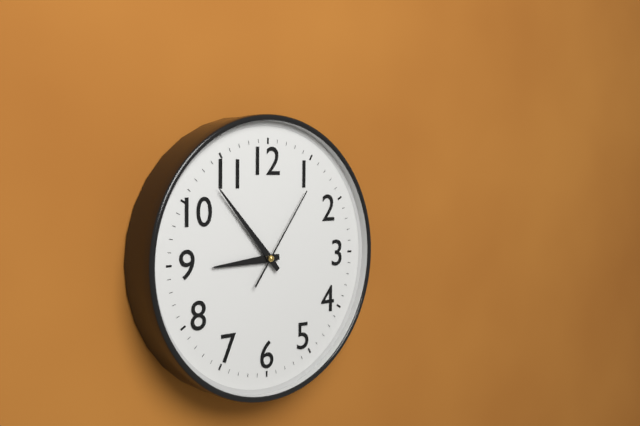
8:53:06
